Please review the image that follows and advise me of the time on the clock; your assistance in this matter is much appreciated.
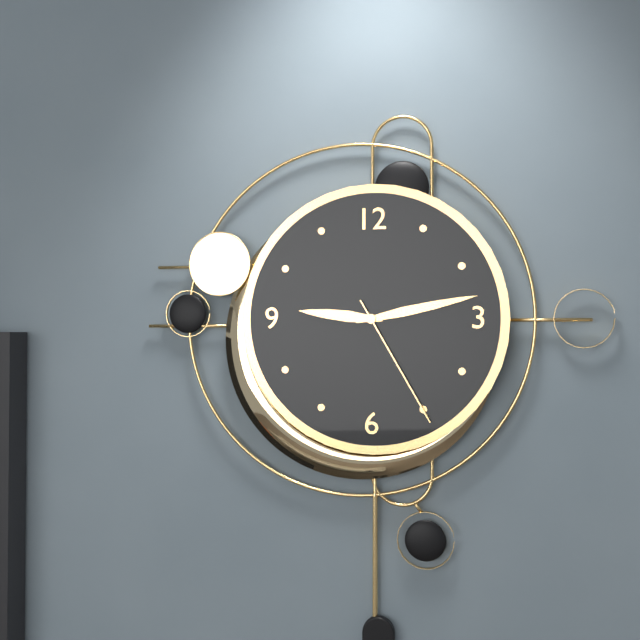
9:13:25
